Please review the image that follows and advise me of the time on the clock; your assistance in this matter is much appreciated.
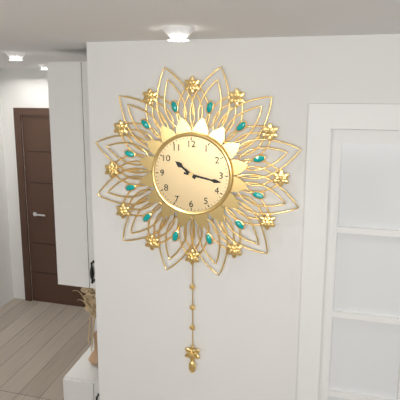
10:17
